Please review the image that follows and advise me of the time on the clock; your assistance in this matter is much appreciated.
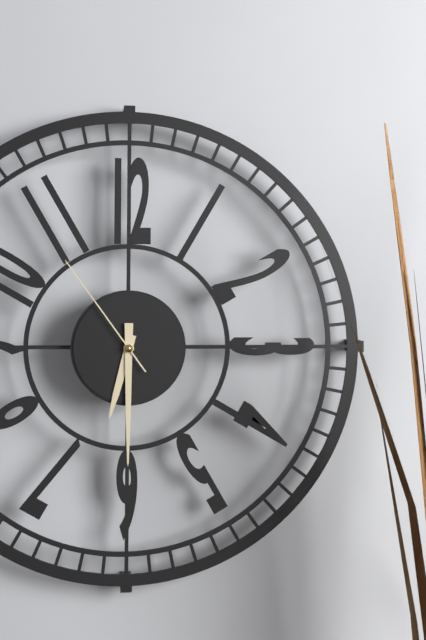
6:30:54
